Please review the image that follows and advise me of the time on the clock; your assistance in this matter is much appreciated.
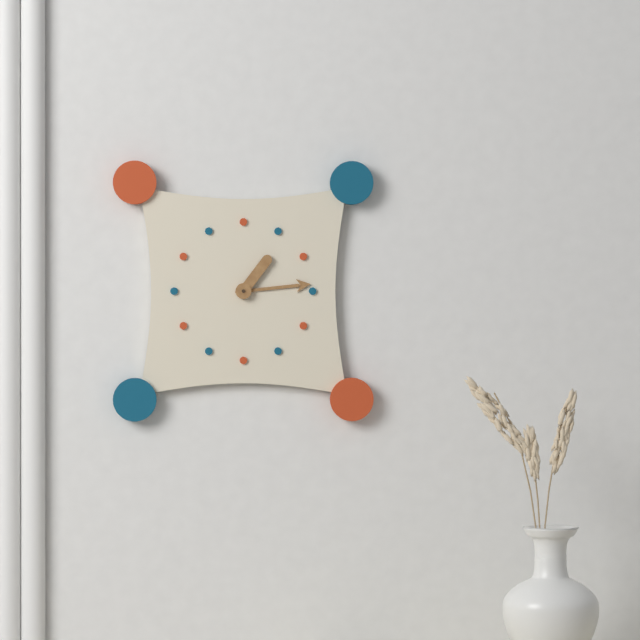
1:14
